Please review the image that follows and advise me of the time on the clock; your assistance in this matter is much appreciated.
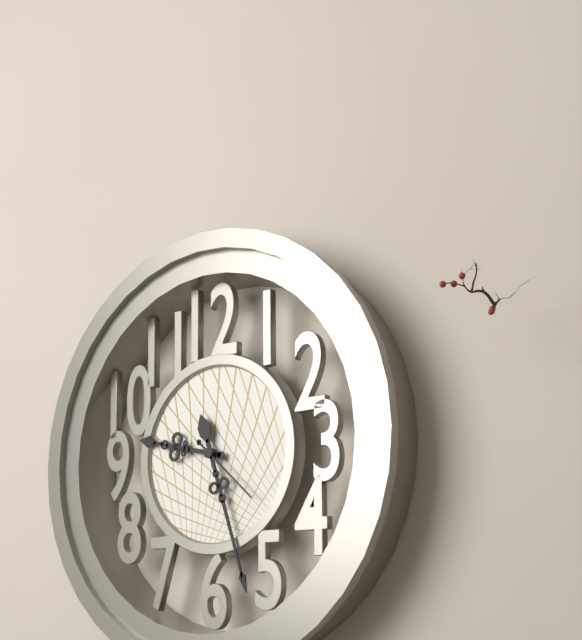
9:27
